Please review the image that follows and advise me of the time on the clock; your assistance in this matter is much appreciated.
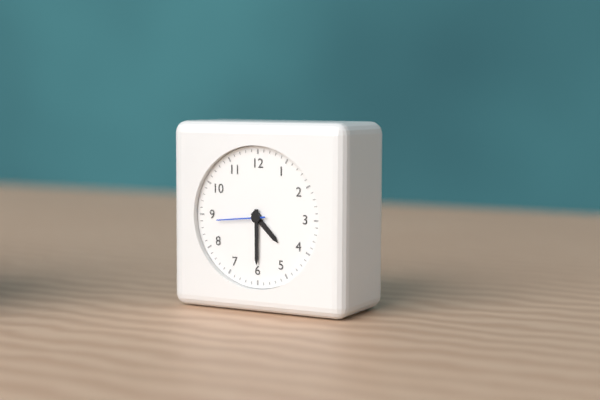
4:30
